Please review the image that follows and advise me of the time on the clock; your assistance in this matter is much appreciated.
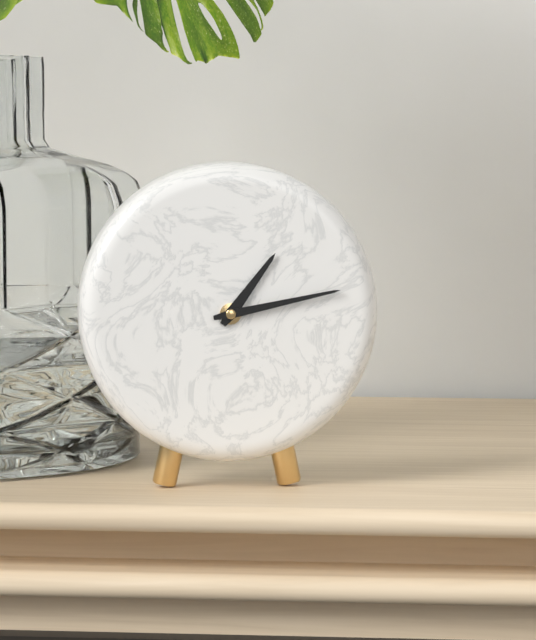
1:13
